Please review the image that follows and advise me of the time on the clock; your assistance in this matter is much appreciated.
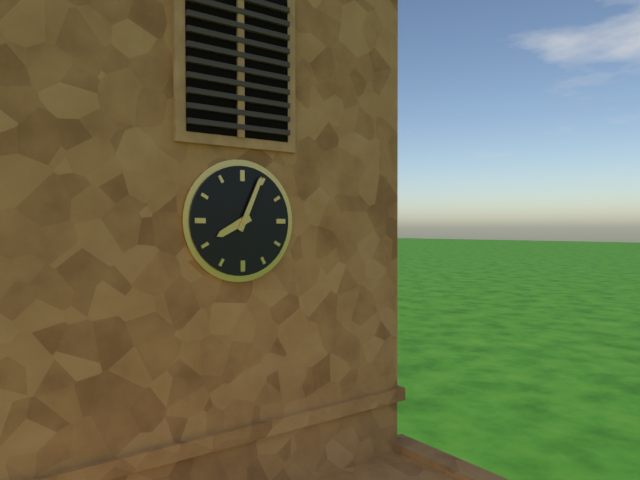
8:04
